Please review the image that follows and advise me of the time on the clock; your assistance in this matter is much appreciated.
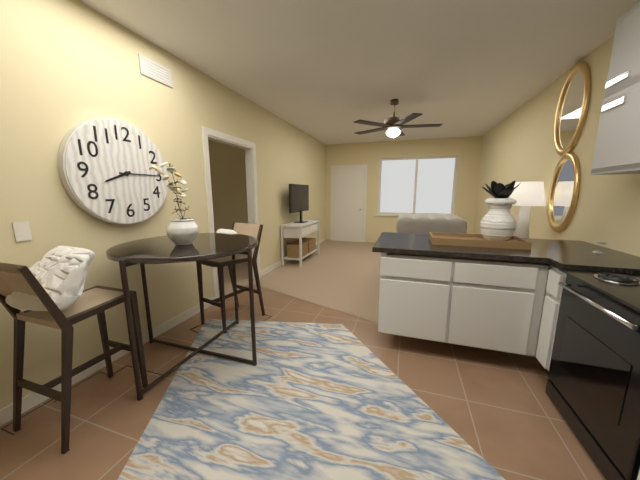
8:15
